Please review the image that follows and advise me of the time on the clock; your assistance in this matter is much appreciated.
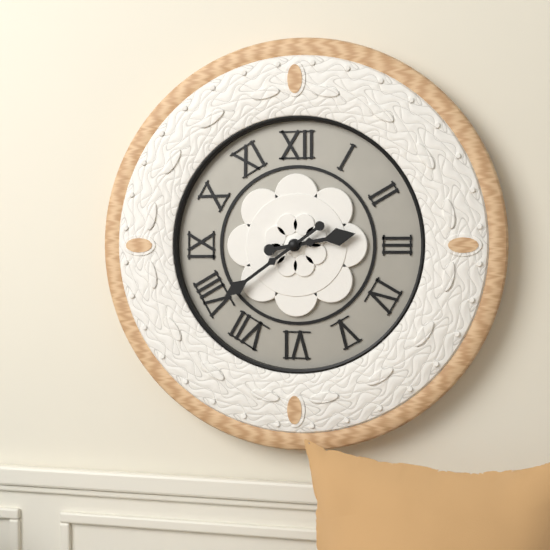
2:39
